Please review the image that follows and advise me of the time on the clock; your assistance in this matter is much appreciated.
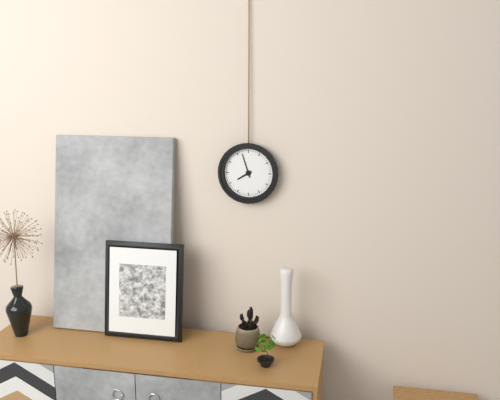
7:57
